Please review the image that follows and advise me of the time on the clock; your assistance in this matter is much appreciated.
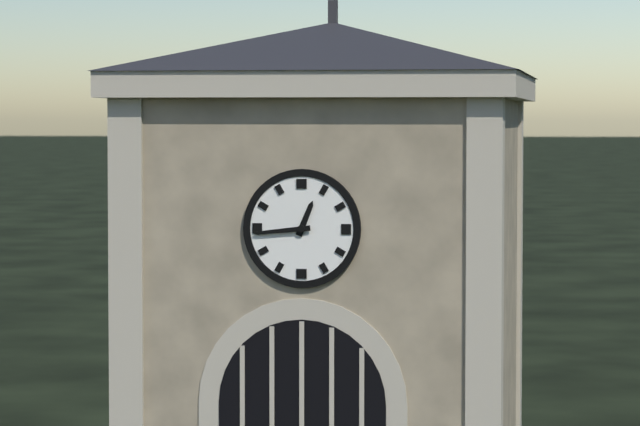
12:44
